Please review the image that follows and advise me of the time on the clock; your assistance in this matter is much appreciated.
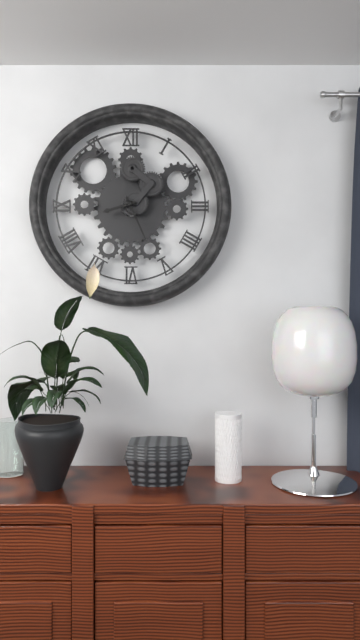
8:26
